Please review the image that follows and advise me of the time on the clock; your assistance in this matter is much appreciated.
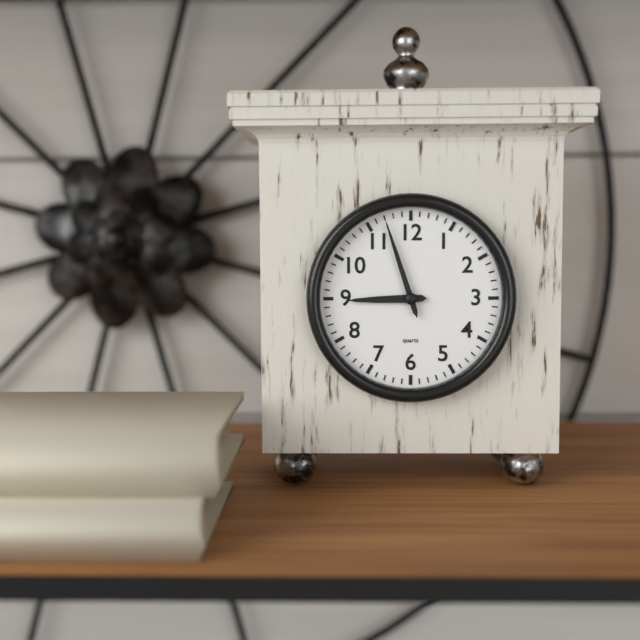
8:57
